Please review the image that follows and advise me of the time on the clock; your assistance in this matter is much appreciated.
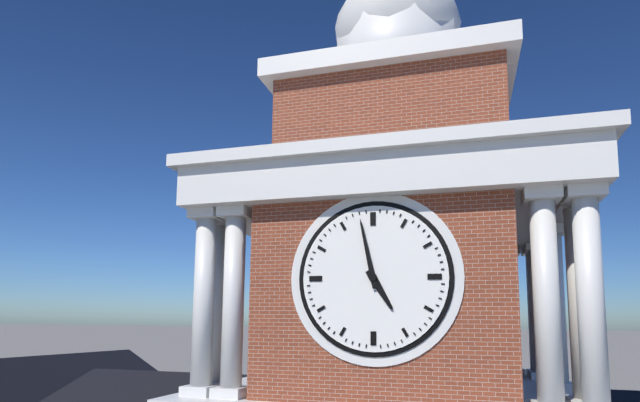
4:58
